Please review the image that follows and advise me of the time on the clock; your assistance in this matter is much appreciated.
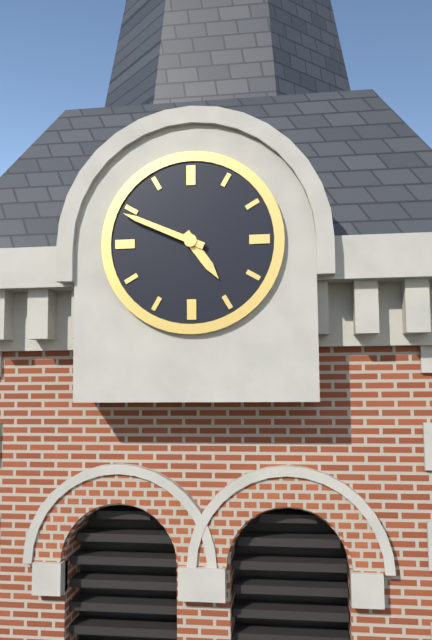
4:49
